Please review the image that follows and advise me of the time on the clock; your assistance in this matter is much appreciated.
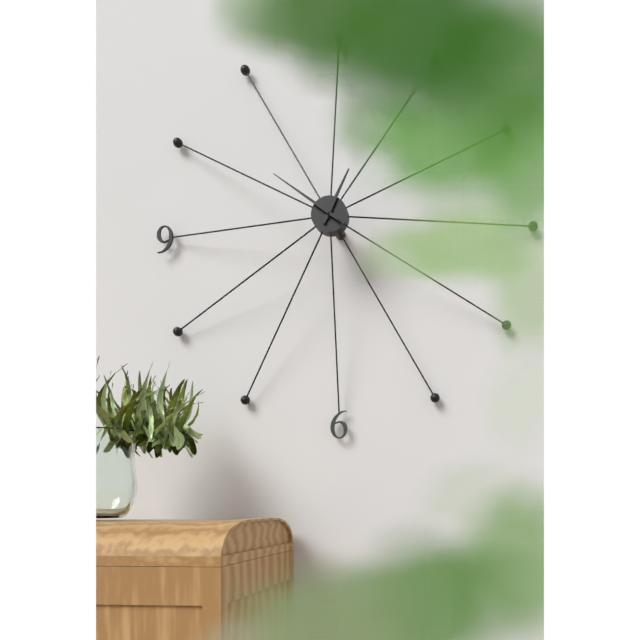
12:51
